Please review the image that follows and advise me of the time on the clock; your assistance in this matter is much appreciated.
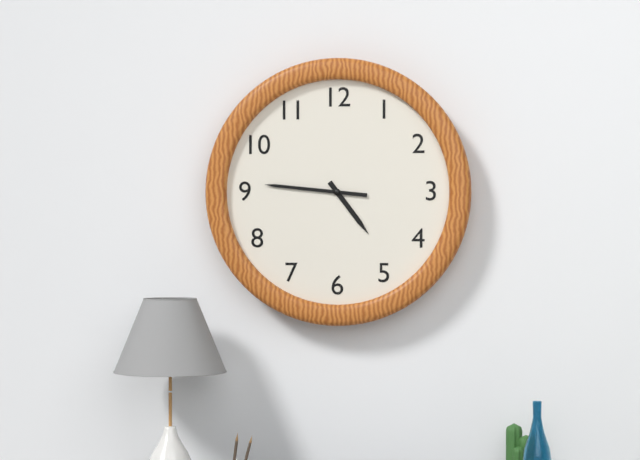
4:46
